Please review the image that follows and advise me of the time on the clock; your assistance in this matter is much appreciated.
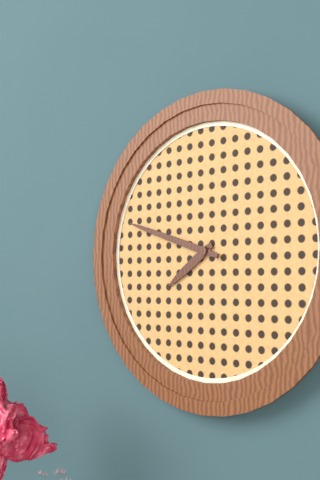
7:48
